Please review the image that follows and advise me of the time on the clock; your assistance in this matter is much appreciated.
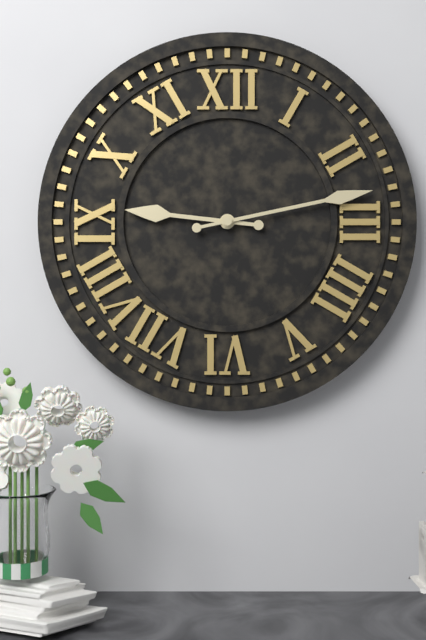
9:13
